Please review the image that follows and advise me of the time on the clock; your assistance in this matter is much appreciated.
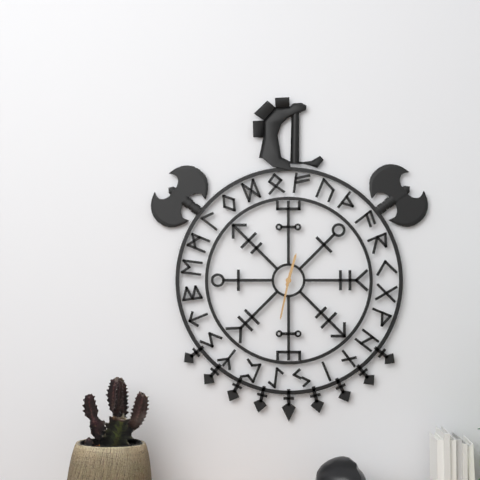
12:32
